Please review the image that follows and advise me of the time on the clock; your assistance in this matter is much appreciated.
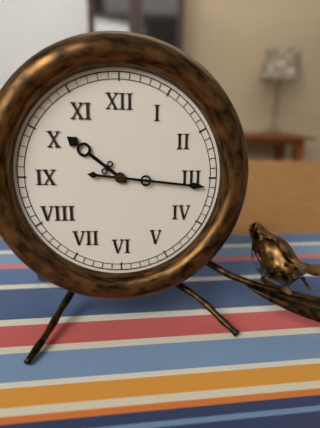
10:16
